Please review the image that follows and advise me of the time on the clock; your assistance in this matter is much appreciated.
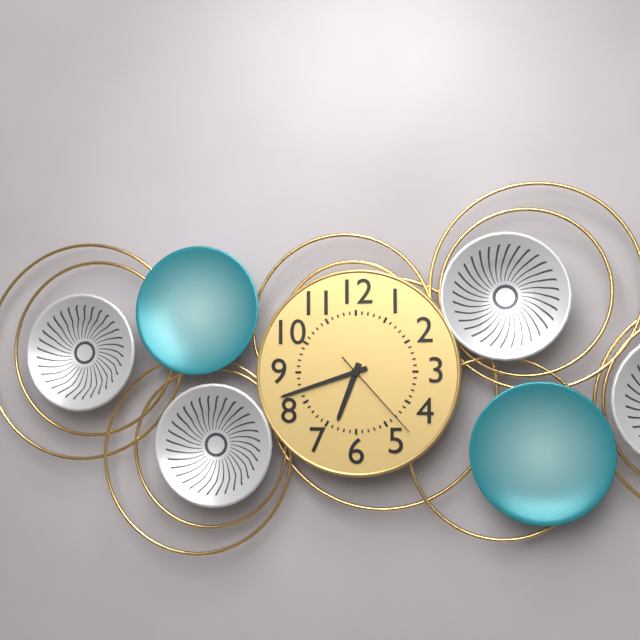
6:42:23
